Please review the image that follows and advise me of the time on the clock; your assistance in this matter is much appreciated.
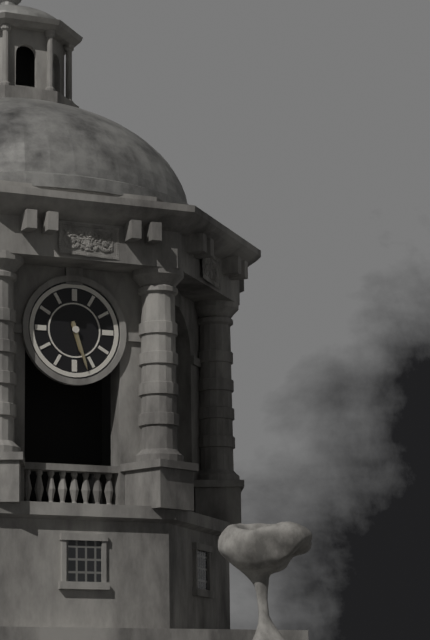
5:27
